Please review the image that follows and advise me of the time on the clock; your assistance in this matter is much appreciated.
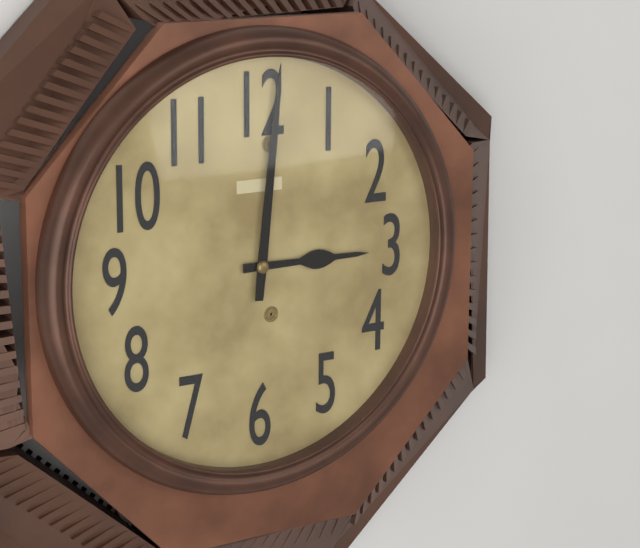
3:01
